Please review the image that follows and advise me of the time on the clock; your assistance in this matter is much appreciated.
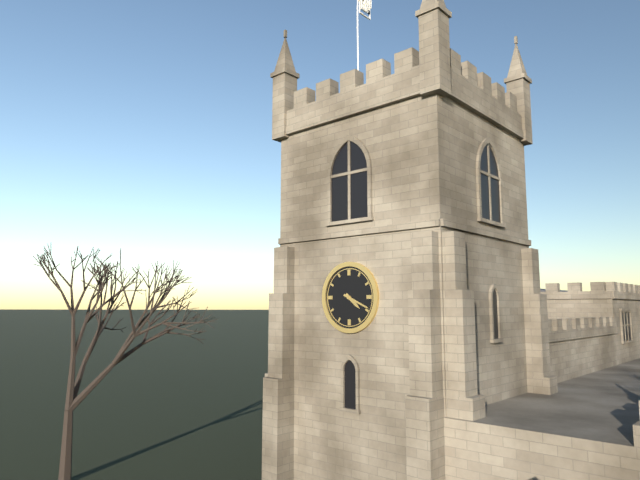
4:19
